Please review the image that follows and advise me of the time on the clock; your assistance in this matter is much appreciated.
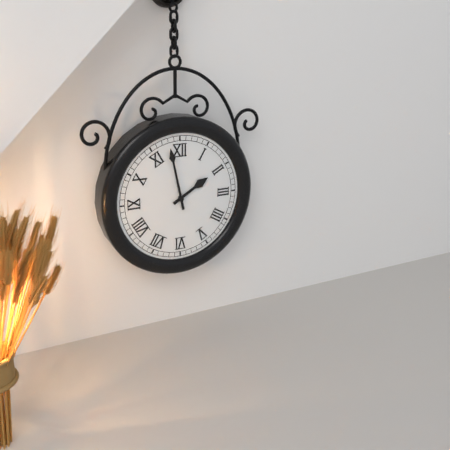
1:58
